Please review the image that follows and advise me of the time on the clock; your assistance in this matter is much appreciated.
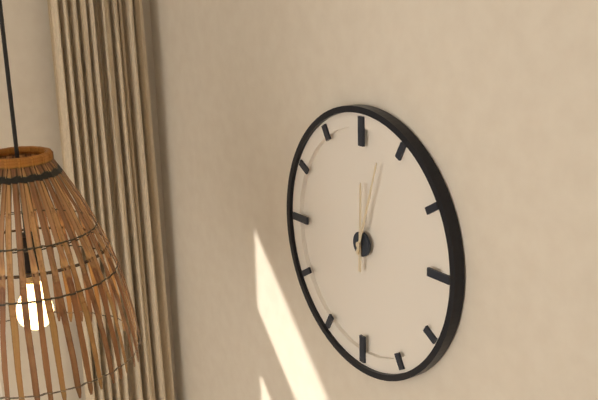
12:03
